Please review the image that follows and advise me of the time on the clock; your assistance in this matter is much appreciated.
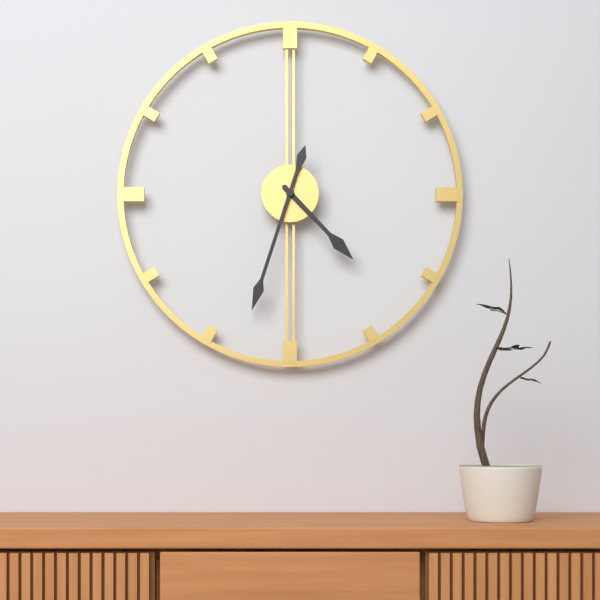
4:33
